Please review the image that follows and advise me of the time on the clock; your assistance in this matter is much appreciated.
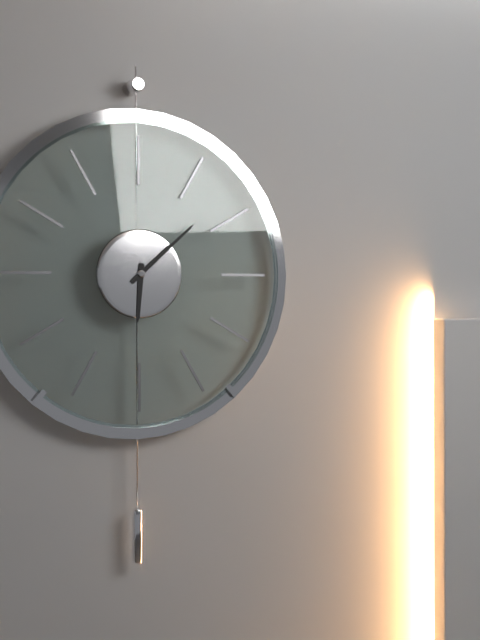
6:08
